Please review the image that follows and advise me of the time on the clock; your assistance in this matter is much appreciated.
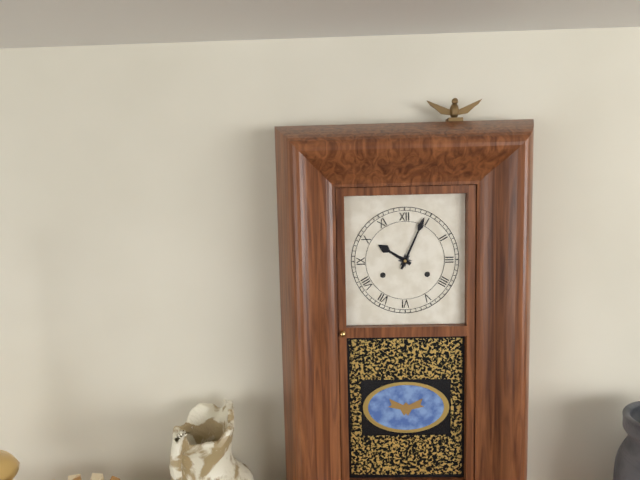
10:04
